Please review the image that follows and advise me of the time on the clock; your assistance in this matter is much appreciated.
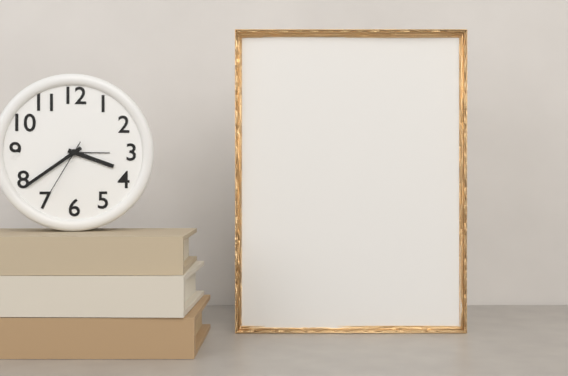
3:39:35
